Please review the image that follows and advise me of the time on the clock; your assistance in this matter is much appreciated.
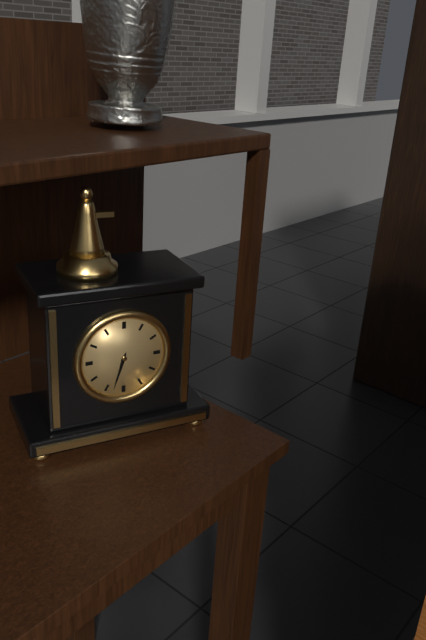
6:33
